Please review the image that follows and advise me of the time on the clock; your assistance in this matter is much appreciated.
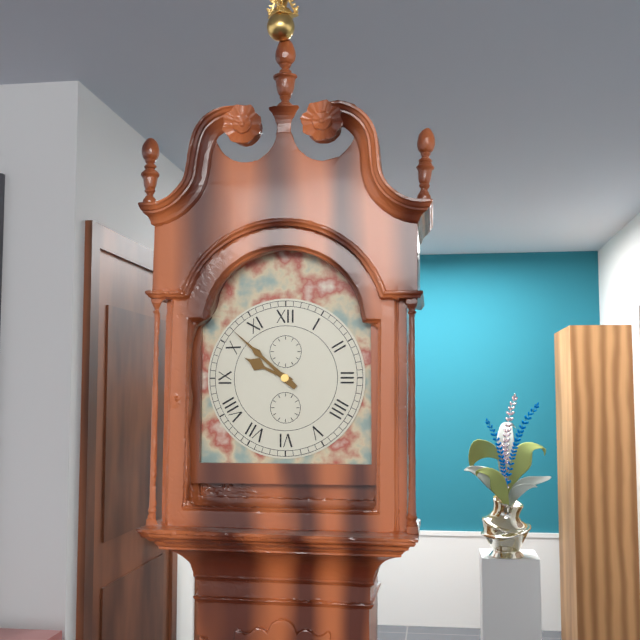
9:52
